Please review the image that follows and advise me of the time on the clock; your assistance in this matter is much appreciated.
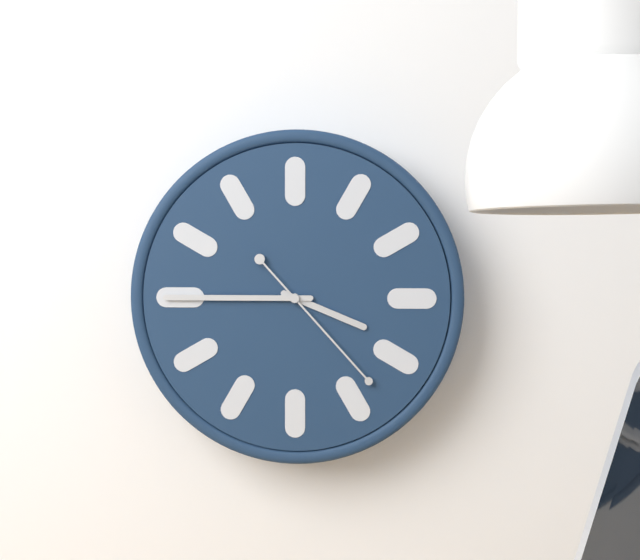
3:45:23
